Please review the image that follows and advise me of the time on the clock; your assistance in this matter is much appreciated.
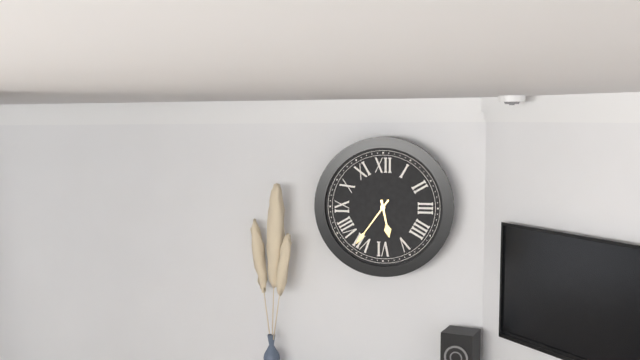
5:36
